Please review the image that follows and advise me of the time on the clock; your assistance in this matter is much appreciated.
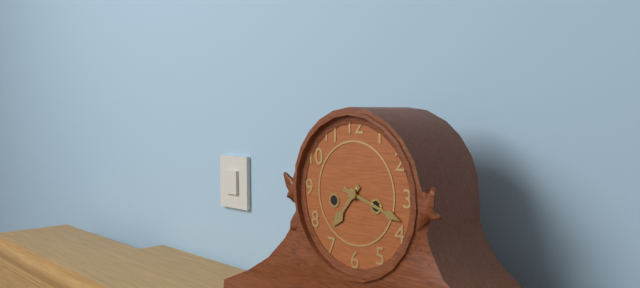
7:18
